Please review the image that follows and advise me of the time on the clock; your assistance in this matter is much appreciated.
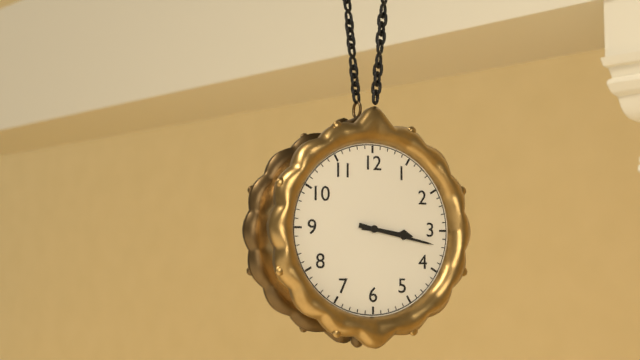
3:17
